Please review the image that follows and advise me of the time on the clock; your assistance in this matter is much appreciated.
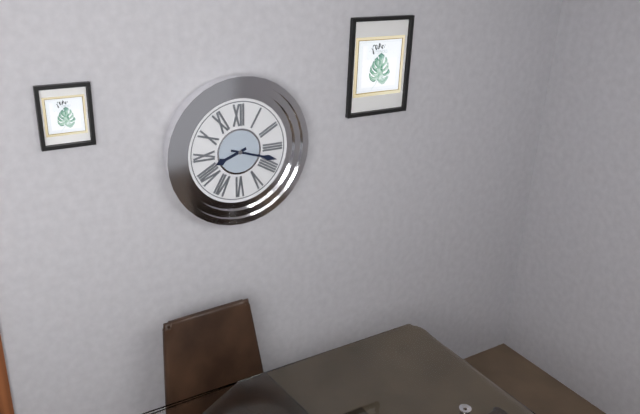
8:18
